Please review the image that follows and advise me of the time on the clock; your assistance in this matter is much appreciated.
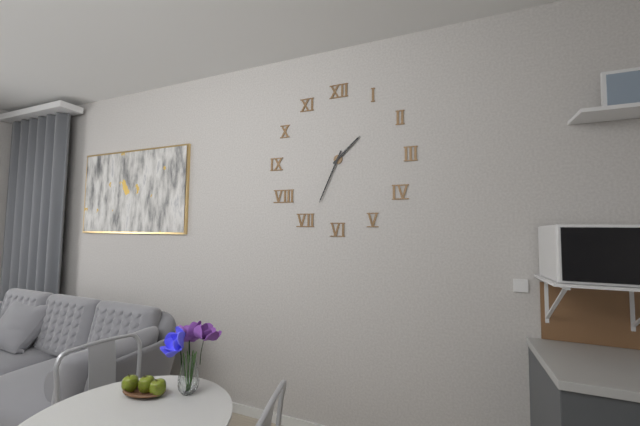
1:34
